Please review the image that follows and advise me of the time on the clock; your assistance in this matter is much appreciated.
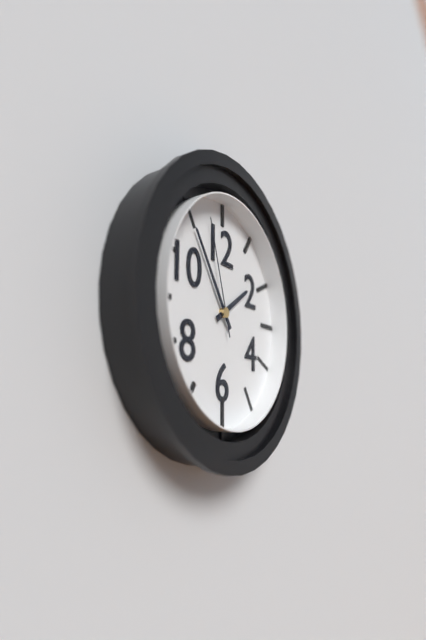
1:54:57
